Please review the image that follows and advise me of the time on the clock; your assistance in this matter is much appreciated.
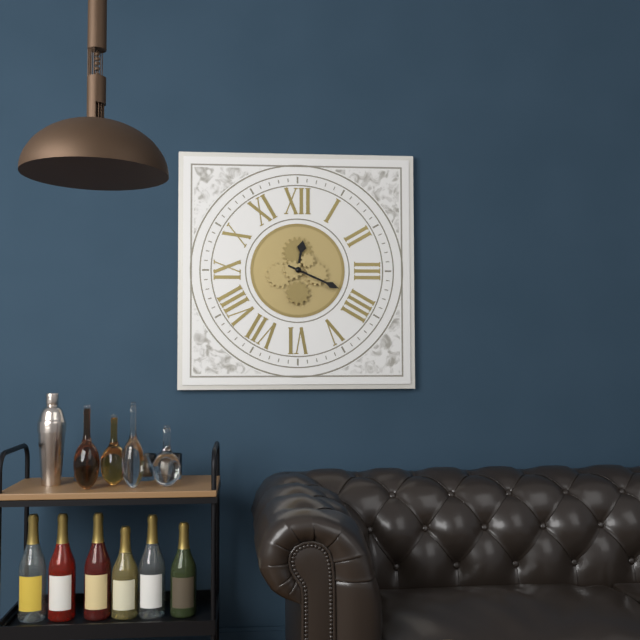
12:19
